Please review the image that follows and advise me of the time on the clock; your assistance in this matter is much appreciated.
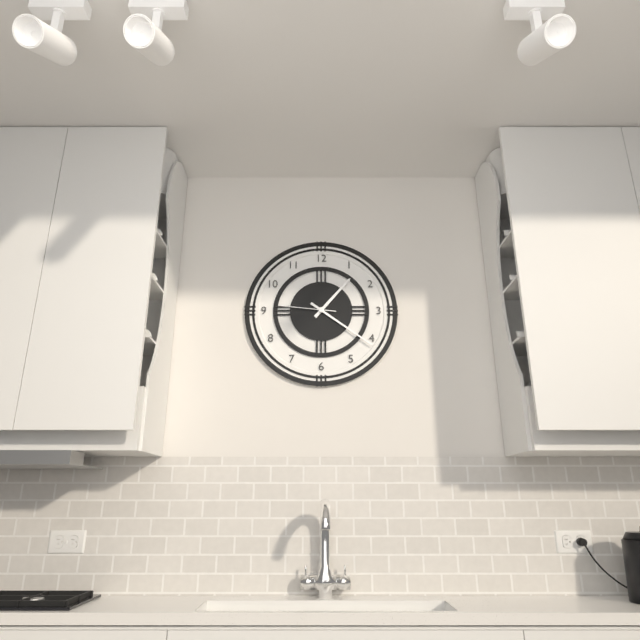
1:21:46
